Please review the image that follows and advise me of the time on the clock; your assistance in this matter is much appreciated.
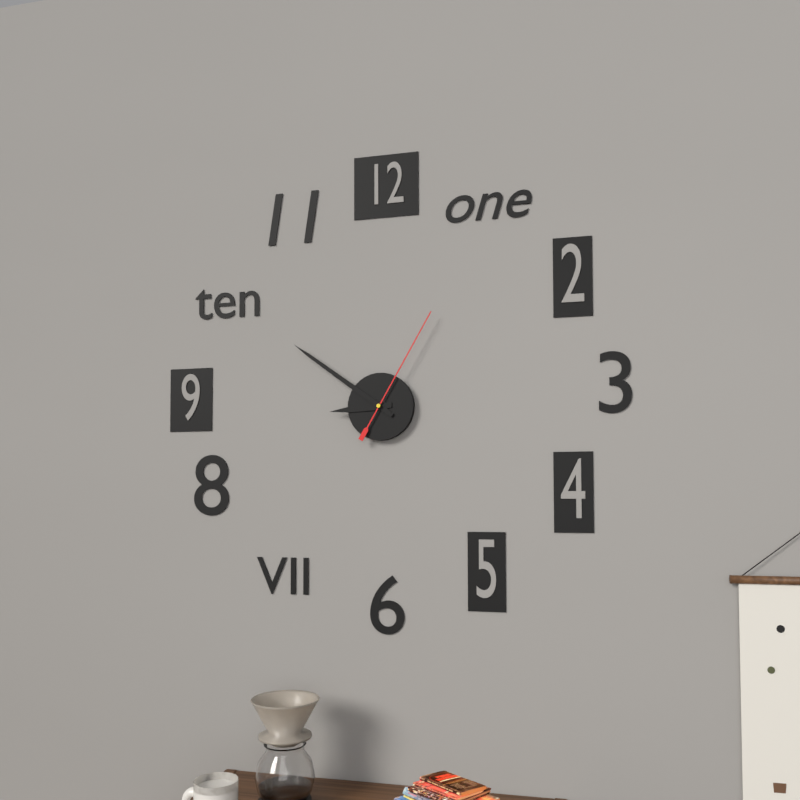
8:51:05
